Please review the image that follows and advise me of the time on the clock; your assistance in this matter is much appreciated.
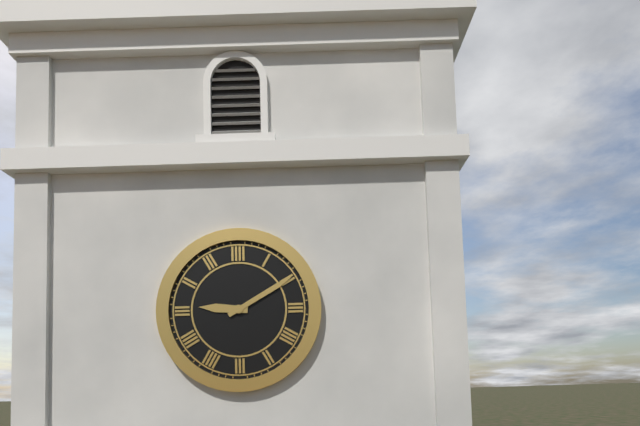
9:10
